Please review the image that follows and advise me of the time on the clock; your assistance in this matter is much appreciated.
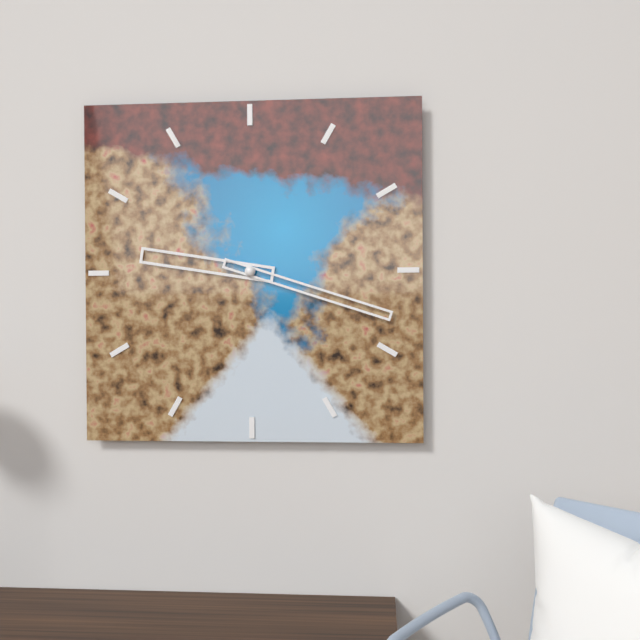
9:18
